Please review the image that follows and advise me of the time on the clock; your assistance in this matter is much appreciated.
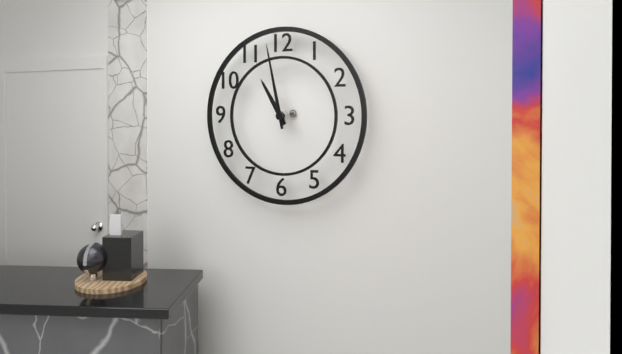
10:58
